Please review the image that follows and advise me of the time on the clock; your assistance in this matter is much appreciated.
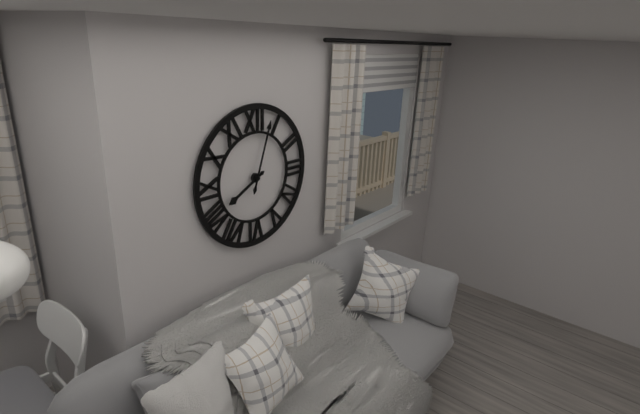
8:03
